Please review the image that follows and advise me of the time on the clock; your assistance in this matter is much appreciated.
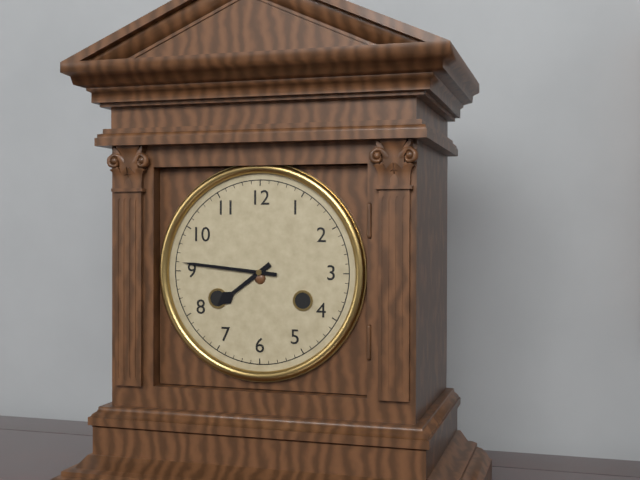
7:46
